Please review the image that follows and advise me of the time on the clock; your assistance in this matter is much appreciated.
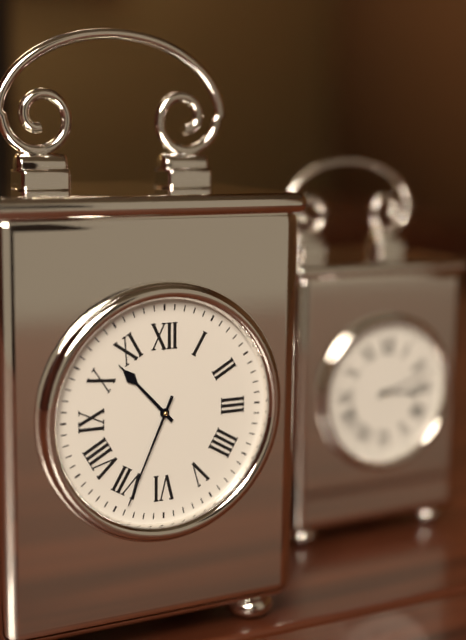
10:34
